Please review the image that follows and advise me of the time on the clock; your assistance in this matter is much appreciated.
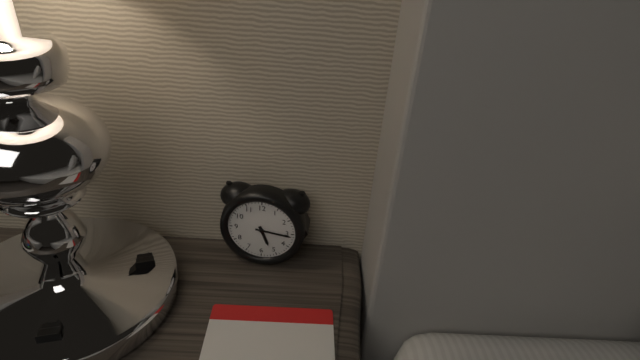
5:16
